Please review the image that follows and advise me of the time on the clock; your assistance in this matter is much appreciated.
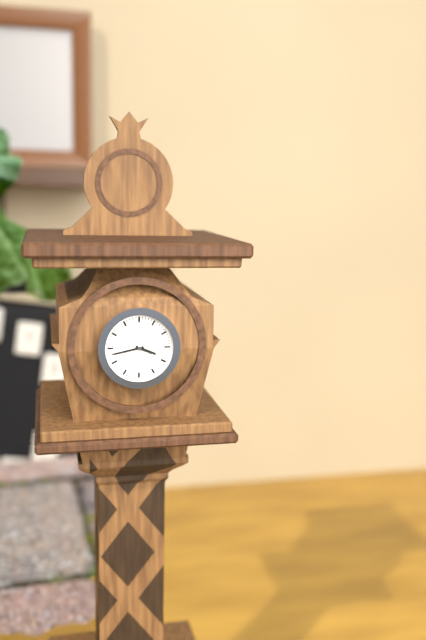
3:43
